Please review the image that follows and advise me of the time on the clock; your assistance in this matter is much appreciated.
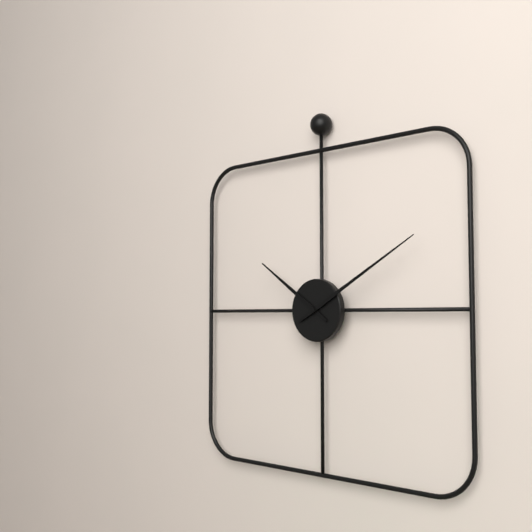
10:10
